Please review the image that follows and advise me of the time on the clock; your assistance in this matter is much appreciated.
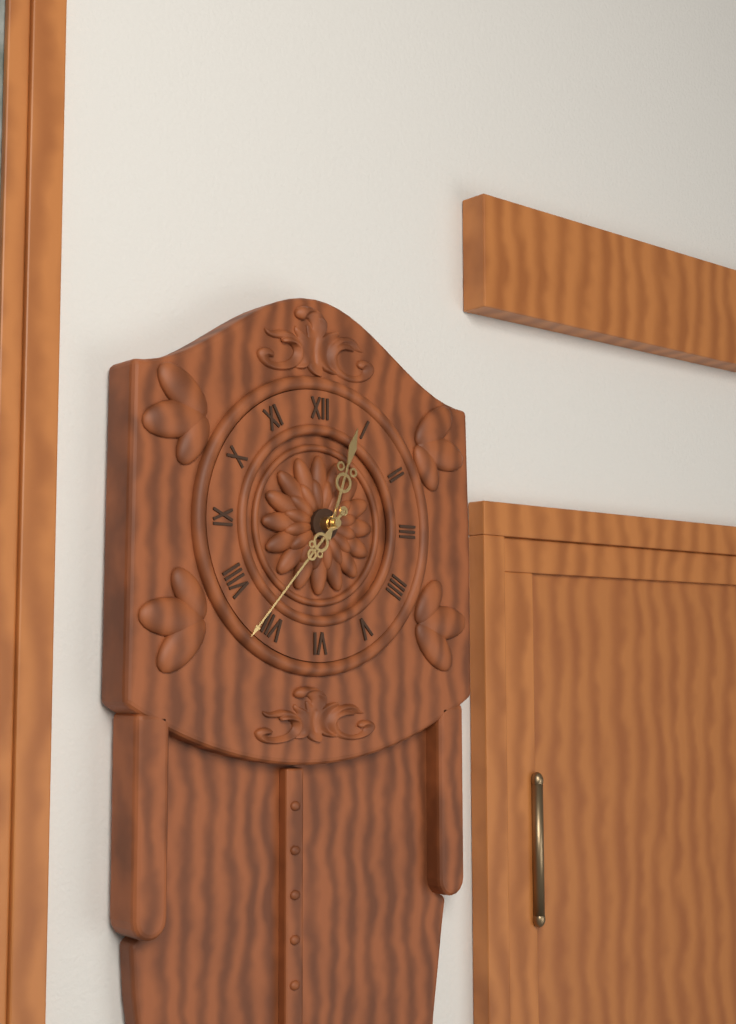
12:37
